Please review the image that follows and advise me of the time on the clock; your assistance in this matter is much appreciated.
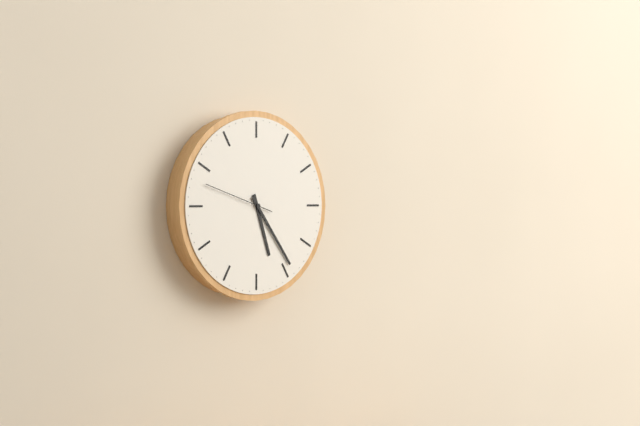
5:24:48
